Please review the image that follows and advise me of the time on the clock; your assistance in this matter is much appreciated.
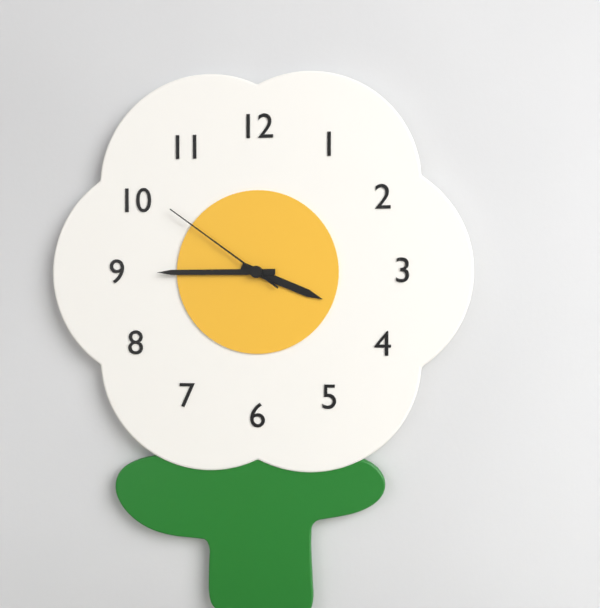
3:45:51
